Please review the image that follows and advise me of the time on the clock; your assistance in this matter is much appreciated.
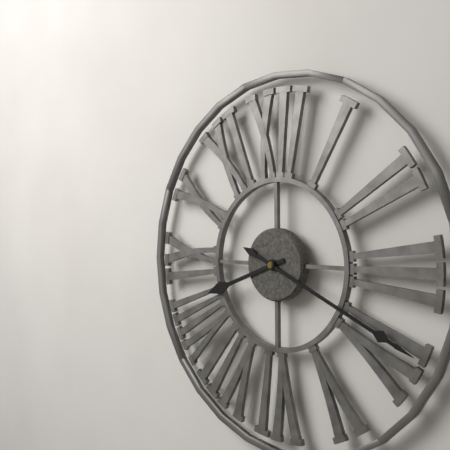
8:19
